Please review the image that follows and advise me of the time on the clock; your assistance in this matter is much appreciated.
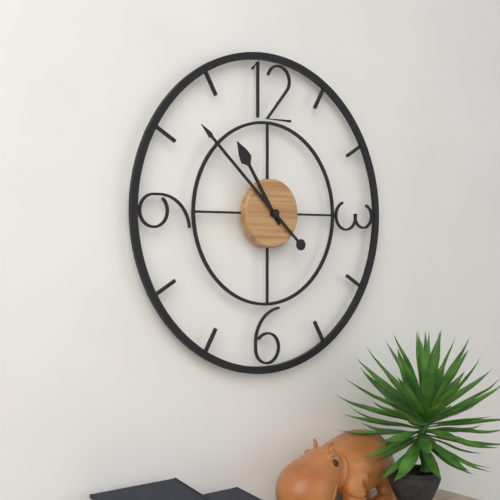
10:52
